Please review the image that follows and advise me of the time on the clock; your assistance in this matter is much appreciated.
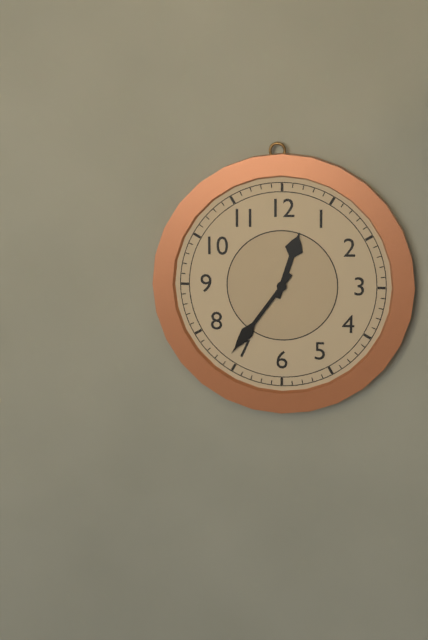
12:36
